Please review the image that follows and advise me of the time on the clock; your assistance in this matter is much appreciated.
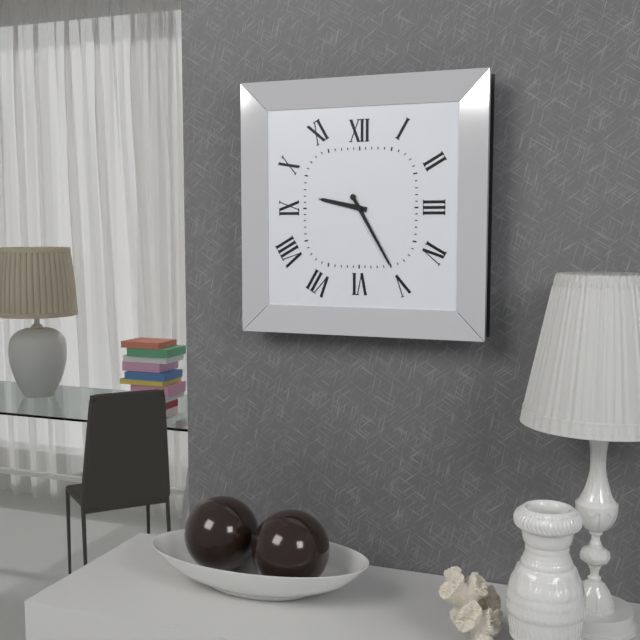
9:25
